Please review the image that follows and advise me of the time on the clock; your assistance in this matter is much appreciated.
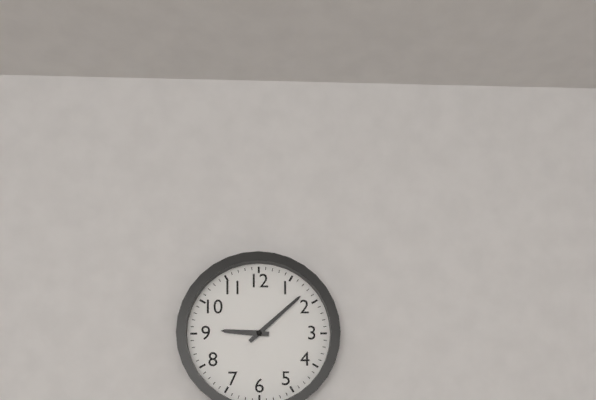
9:08
